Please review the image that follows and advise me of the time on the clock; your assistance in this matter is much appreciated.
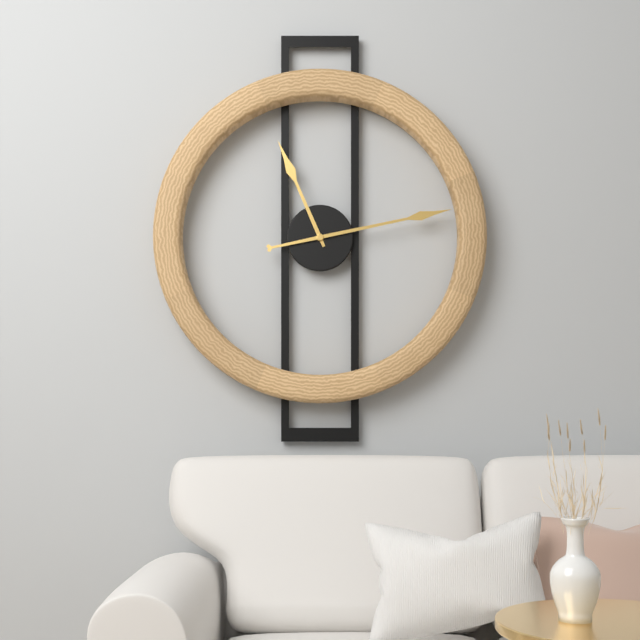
11:13
